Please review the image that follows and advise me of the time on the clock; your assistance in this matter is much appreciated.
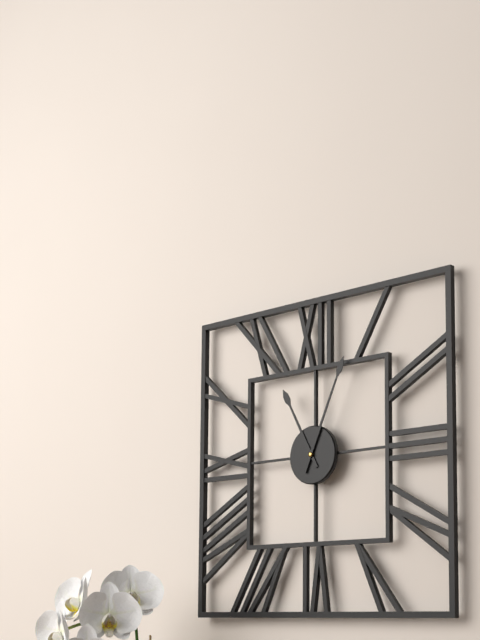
11:04
